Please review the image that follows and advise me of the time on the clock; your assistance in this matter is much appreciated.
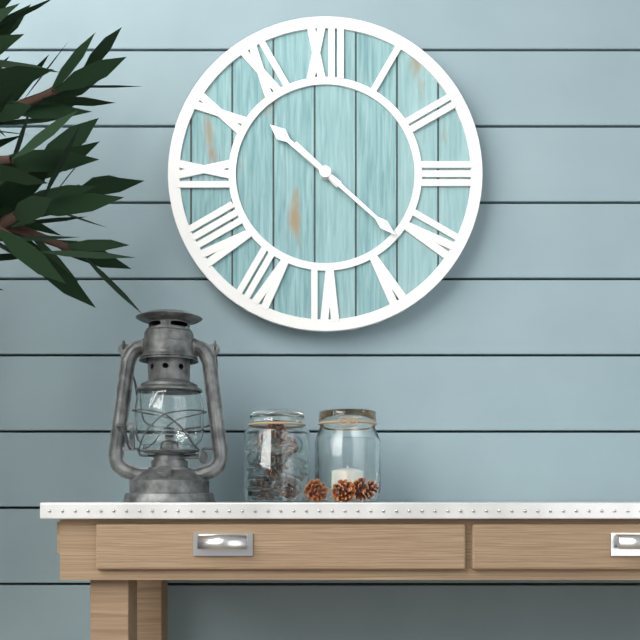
10:22
